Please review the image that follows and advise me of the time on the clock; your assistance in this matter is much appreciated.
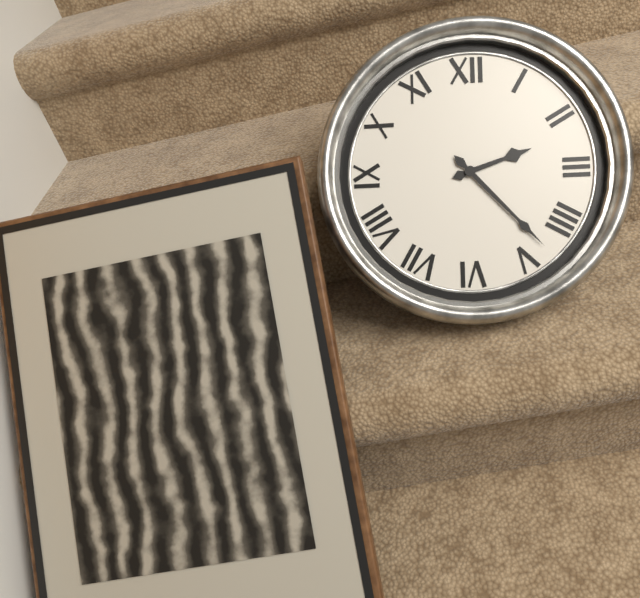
2:23
